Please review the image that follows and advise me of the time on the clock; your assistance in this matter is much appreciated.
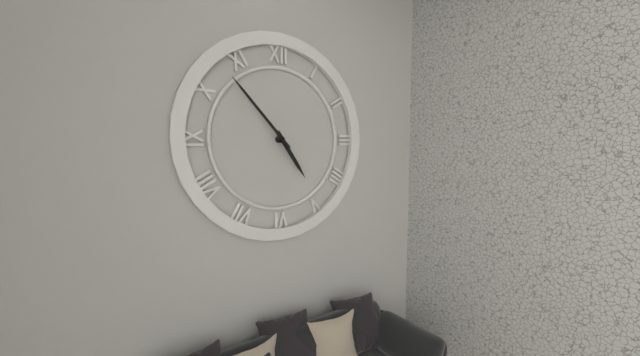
4:53
